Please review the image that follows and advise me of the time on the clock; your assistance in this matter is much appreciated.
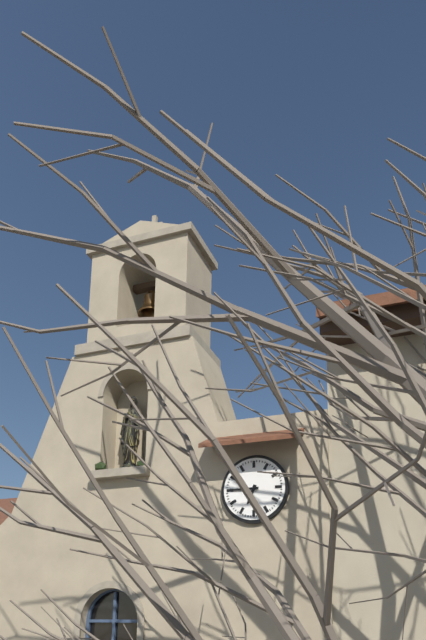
6:45
